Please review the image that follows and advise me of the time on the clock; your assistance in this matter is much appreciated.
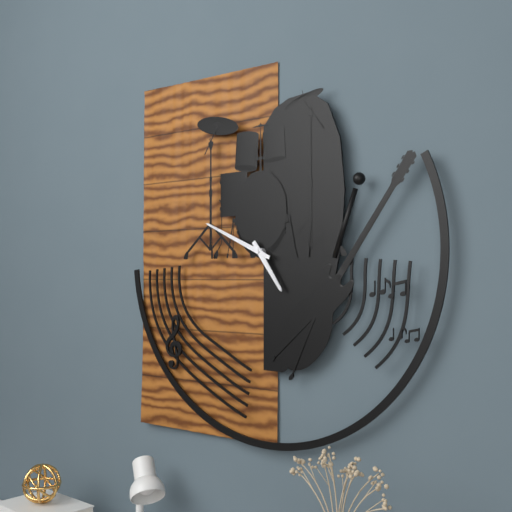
4:49
